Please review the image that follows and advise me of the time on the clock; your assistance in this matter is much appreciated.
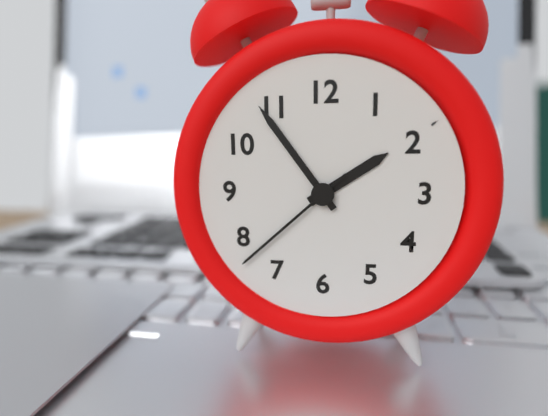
1:54:38
